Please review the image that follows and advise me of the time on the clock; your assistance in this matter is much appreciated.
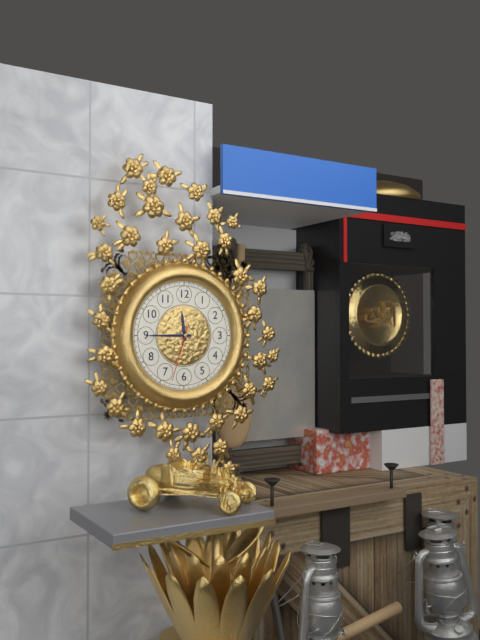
11:45:33
